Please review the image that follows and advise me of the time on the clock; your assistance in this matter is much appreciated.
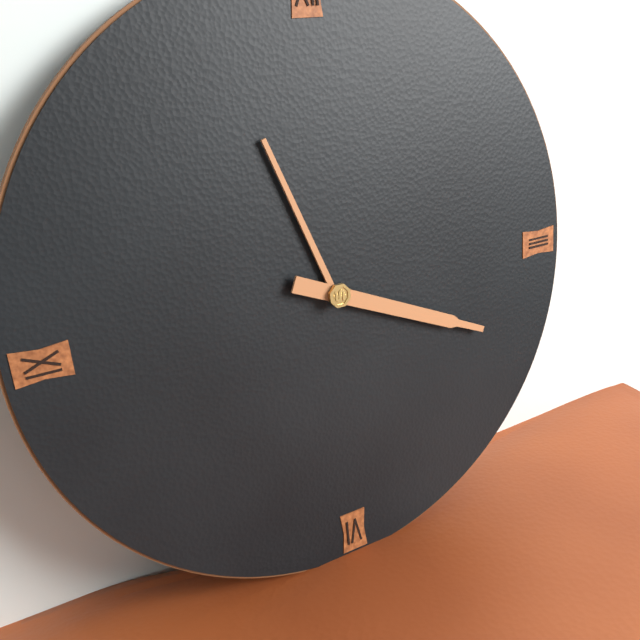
11:19
